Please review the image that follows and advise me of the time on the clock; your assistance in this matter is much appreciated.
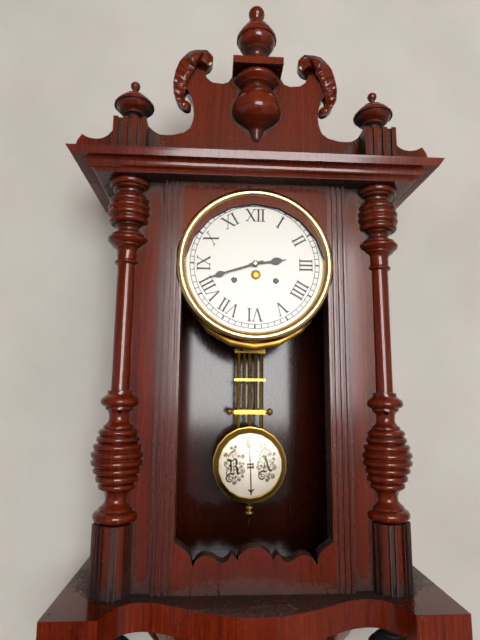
2:42
